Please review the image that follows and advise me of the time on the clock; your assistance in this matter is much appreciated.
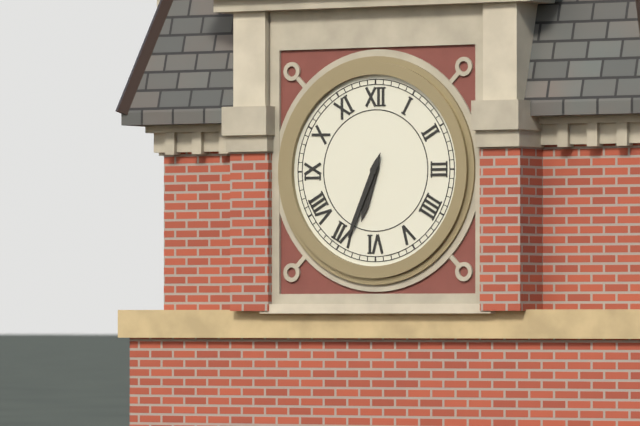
6:34
